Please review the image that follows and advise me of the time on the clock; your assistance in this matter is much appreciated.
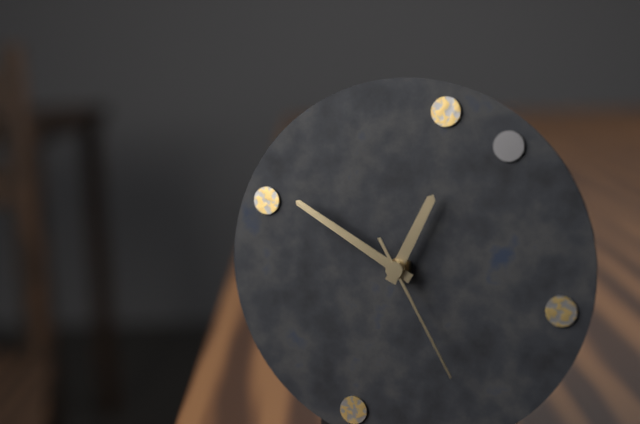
12:50:25
